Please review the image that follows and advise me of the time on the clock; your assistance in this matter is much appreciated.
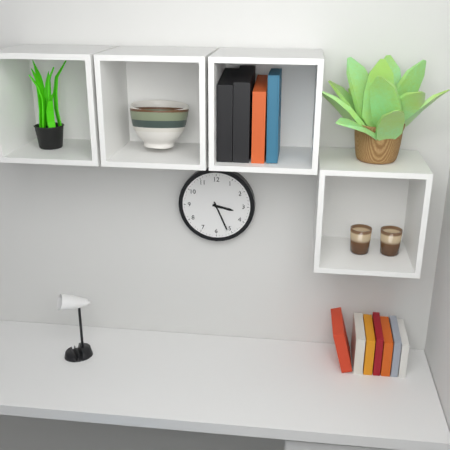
3:26
